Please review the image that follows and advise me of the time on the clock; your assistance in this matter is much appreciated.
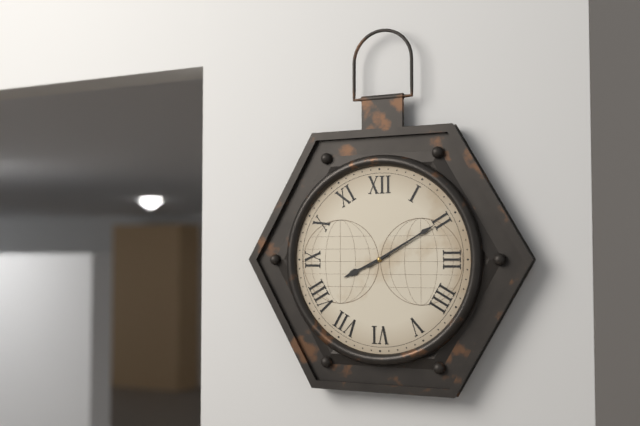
8:10
